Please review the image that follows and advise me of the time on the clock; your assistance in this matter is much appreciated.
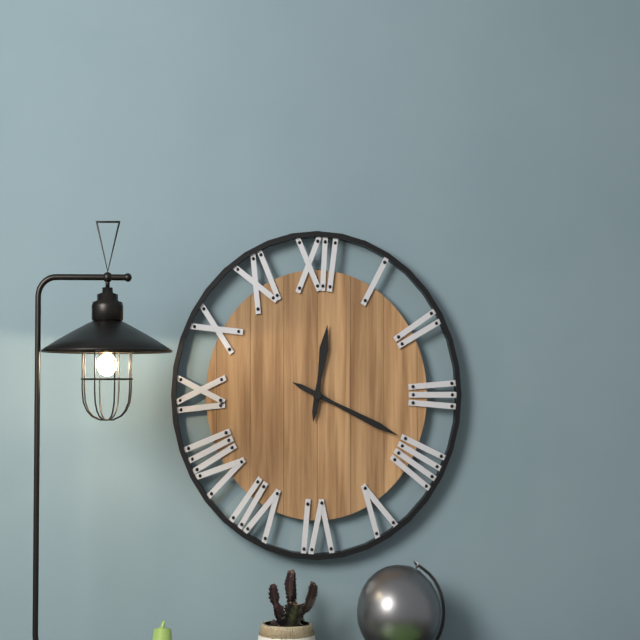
12:19
